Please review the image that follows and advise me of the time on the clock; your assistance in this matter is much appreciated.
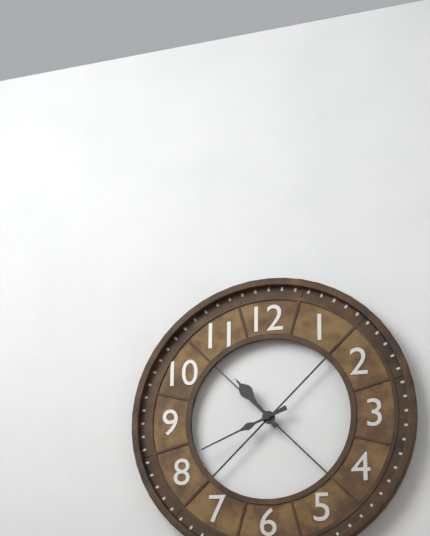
10:41
